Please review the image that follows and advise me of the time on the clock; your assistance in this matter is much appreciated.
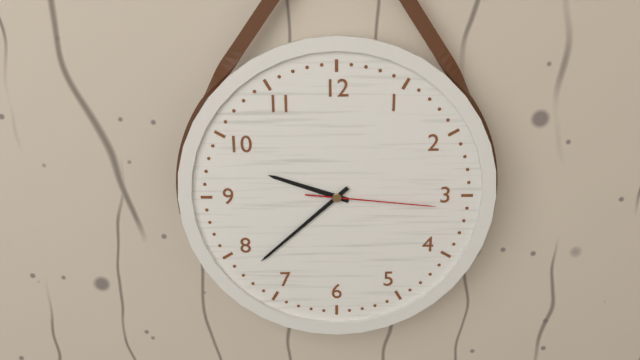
9:38:16
